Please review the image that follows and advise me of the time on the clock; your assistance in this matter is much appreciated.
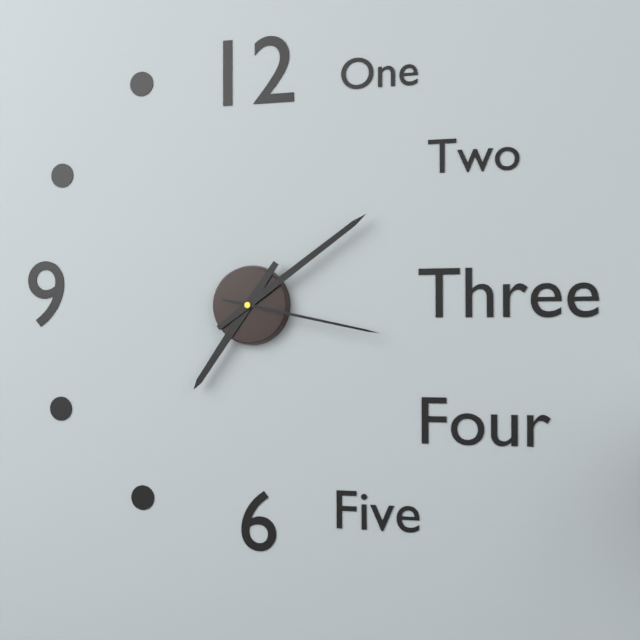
7:09:17
